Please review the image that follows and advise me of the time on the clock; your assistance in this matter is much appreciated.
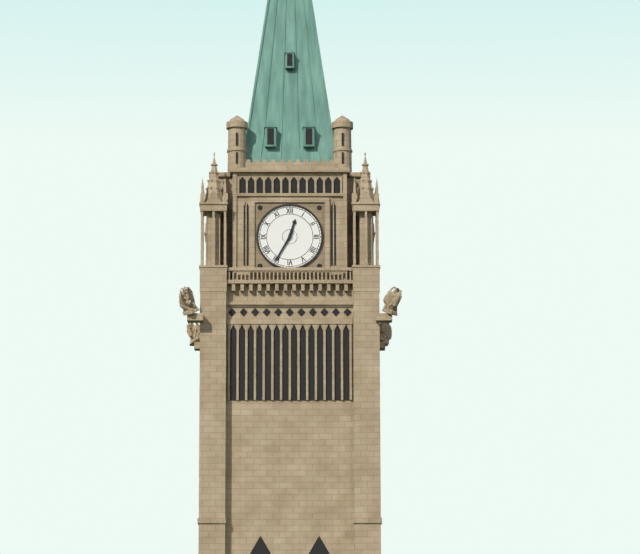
12:35
